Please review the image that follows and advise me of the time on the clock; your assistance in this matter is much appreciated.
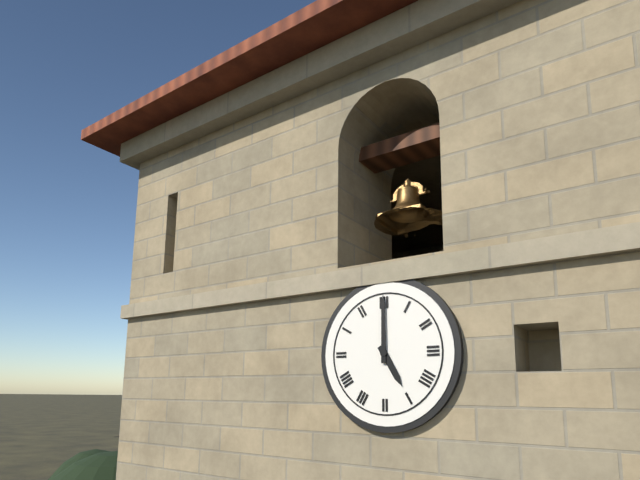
5:00
